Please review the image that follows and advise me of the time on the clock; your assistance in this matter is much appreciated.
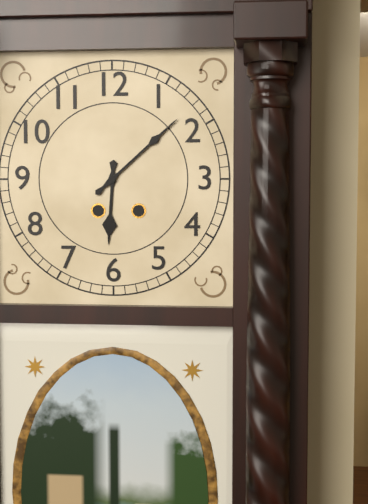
6:08
